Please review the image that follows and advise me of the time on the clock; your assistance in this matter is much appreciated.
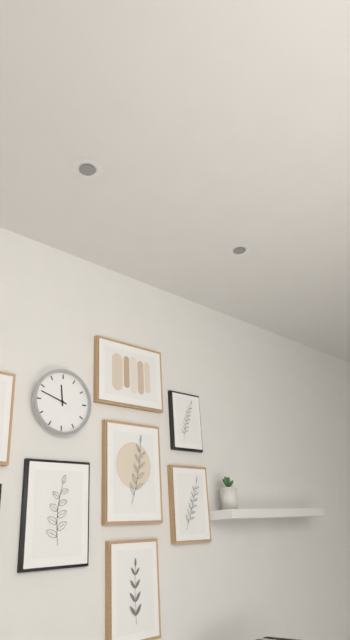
11:48
